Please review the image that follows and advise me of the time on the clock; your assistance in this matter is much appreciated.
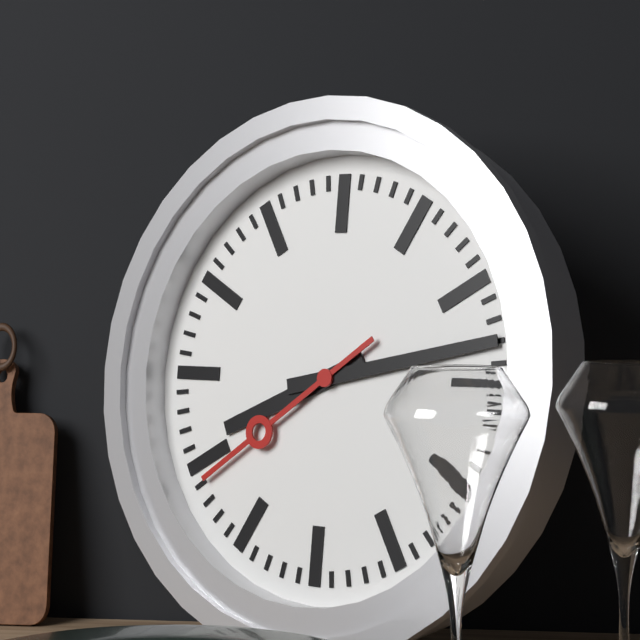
8:13:39
